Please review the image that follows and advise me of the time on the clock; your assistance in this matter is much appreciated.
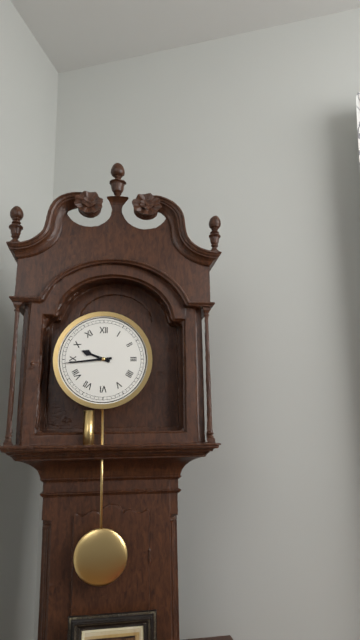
9:44
